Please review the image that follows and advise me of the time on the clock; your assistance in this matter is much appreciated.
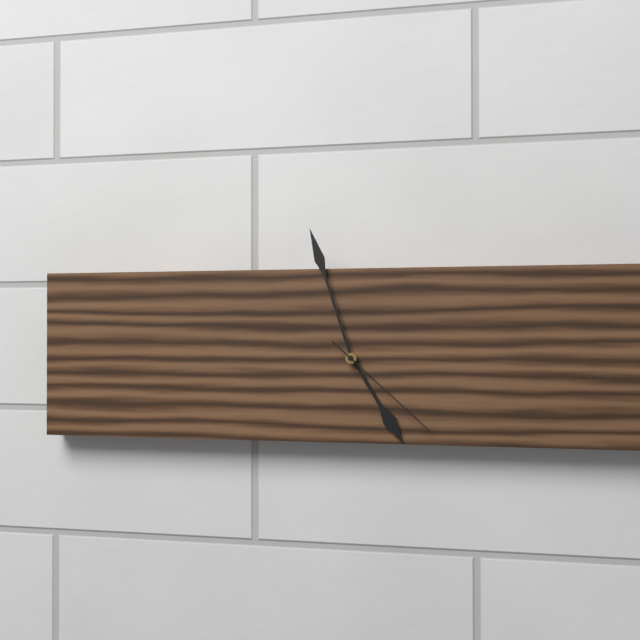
4:57:22
